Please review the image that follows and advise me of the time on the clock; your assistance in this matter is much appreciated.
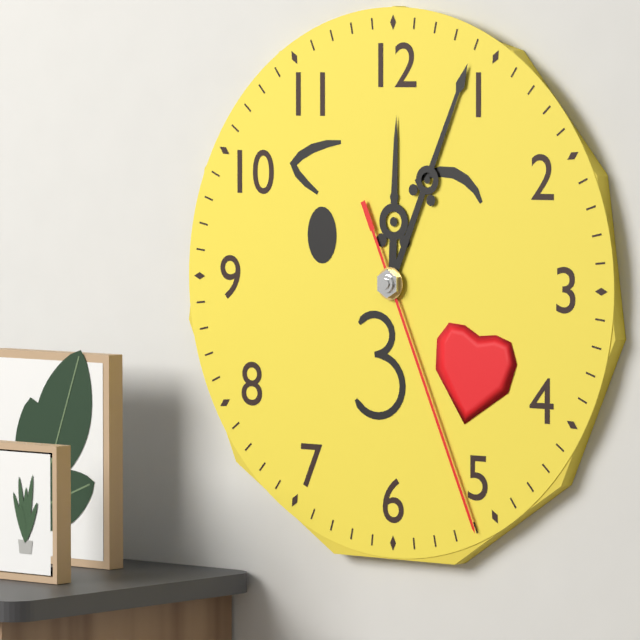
12:04:26
